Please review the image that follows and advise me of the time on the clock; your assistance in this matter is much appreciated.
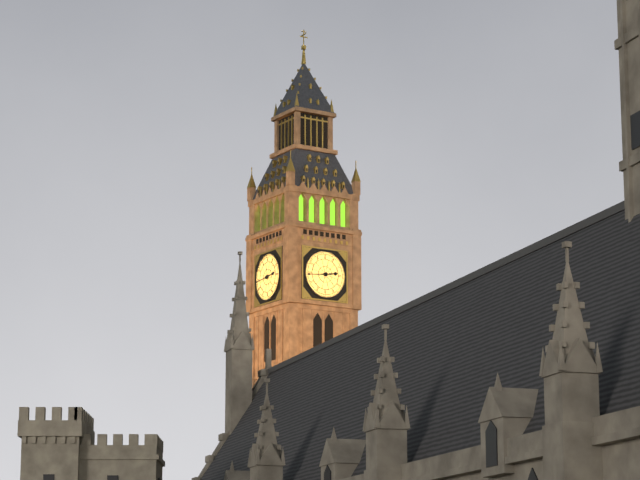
2:44
